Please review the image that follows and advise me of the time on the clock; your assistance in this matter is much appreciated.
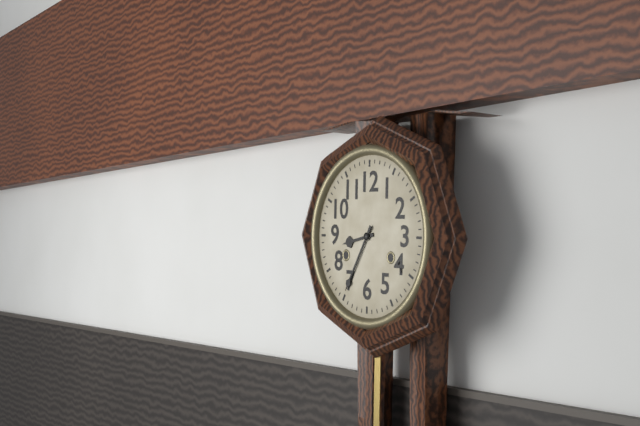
8:35
